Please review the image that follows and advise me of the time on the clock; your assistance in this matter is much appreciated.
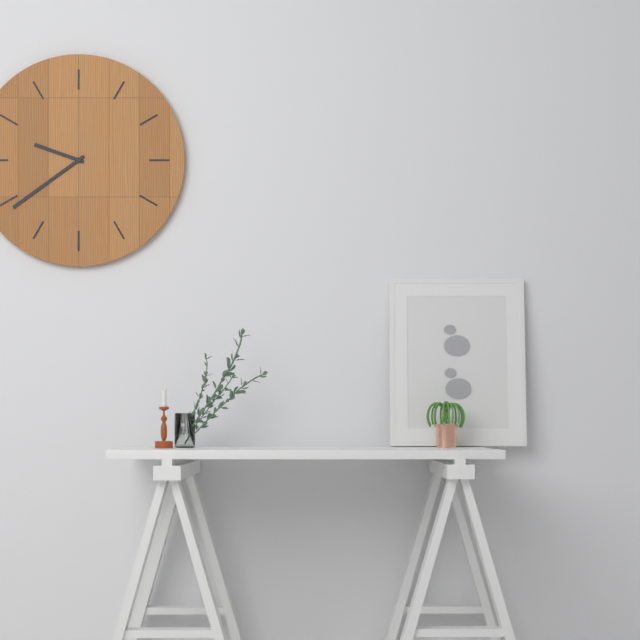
9:39
